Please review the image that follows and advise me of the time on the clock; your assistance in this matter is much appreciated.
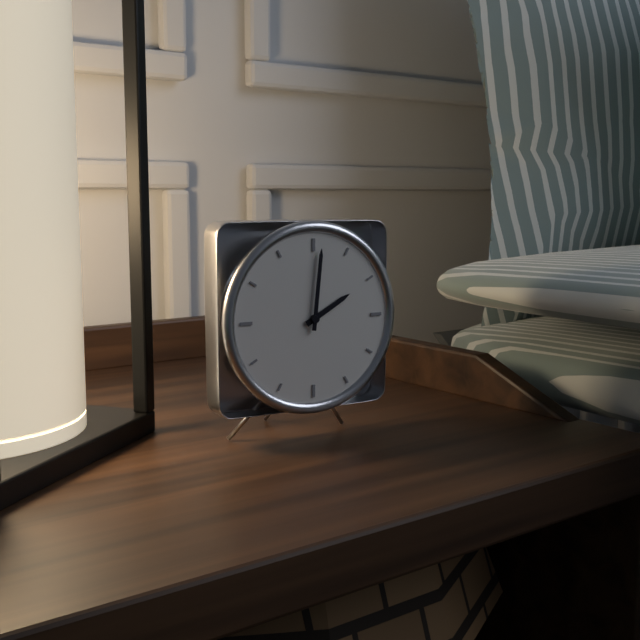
2:01
